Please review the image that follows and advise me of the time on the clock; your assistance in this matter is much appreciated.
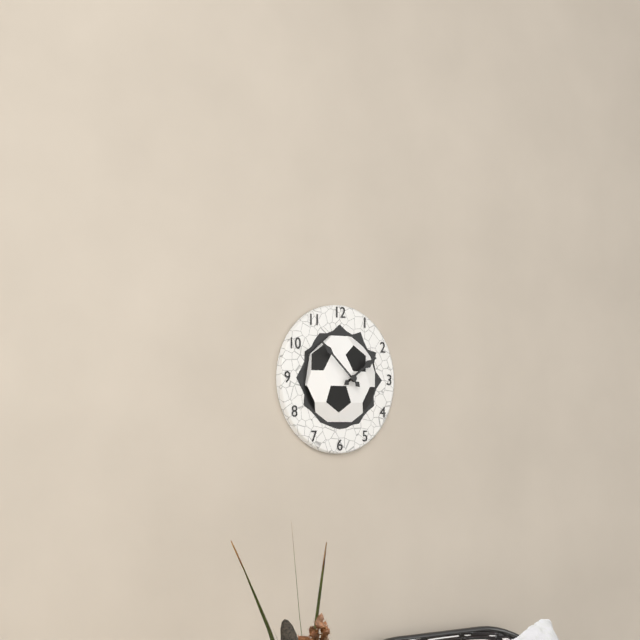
1:52
